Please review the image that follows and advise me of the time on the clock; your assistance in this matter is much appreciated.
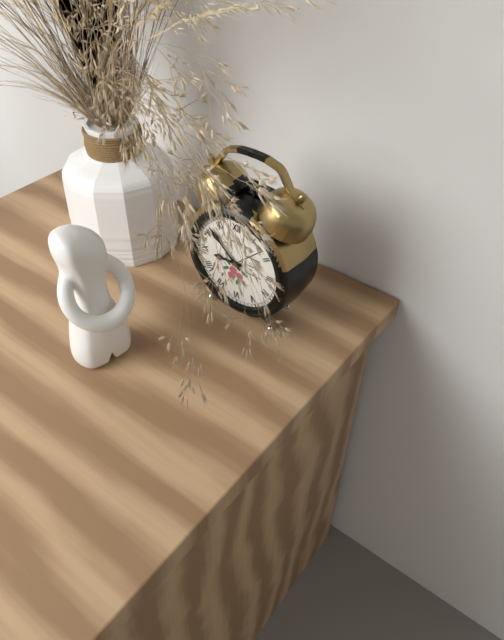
8:52
